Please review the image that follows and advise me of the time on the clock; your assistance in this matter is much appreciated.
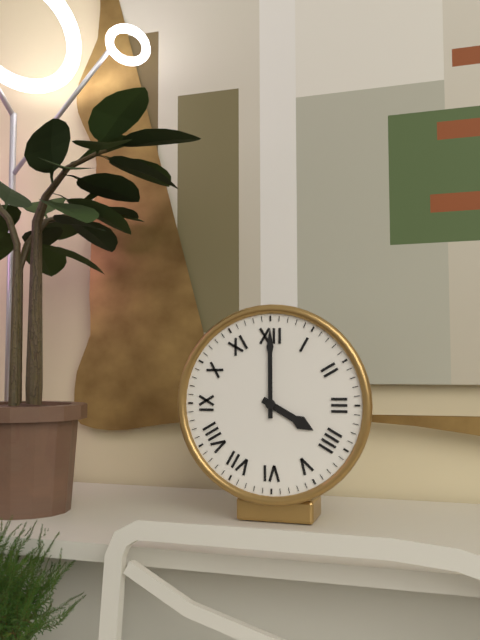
4:00
